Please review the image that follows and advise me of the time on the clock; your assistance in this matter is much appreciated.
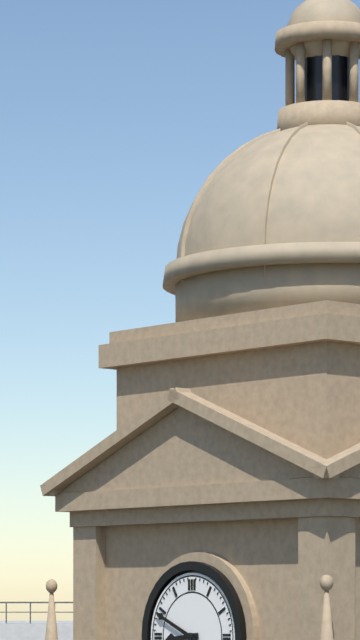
8:49
